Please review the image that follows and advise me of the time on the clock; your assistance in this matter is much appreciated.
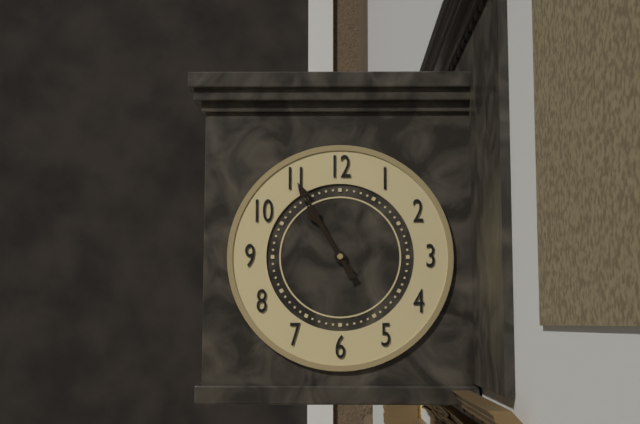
10:55
